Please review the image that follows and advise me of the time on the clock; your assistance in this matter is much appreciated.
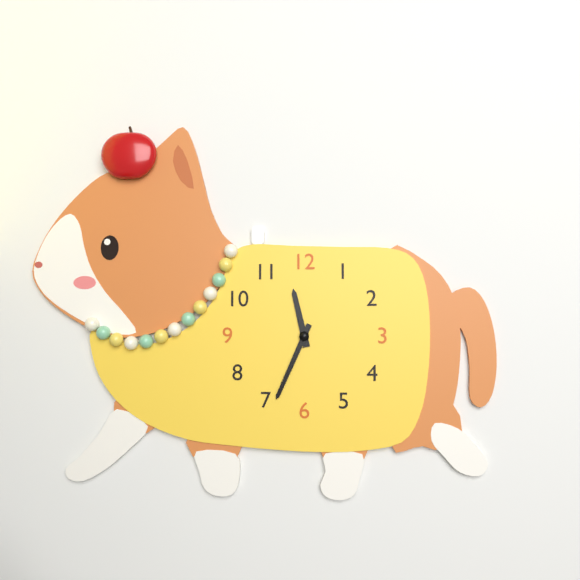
11:34
